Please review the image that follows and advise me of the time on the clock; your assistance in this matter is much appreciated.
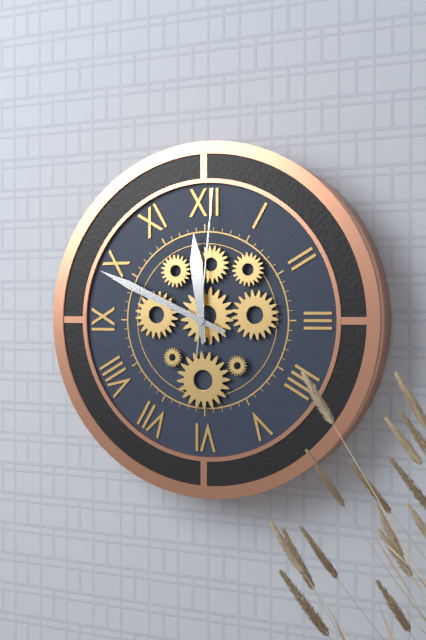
11:49:01
